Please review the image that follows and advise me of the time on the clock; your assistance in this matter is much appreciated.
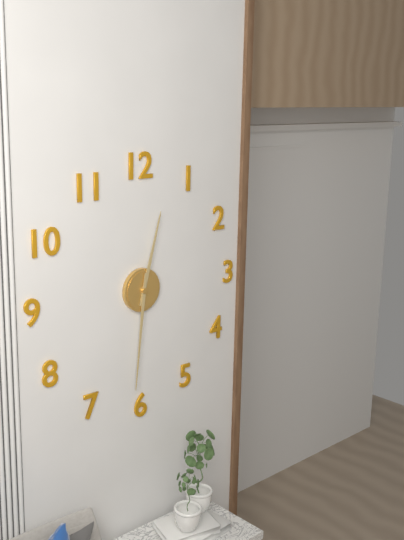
12:31
